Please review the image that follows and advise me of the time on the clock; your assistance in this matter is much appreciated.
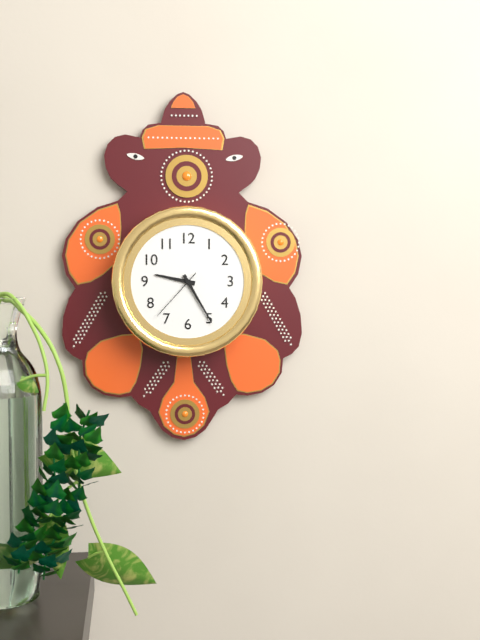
9:25:37
